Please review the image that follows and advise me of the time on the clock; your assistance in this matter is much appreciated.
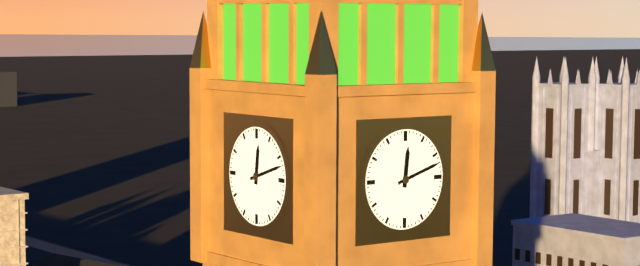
12:12
